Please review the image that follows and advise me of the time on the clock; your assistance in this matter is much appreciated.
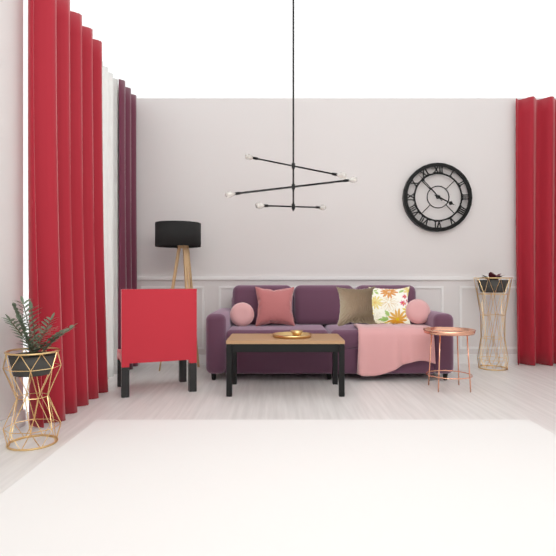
3:53
